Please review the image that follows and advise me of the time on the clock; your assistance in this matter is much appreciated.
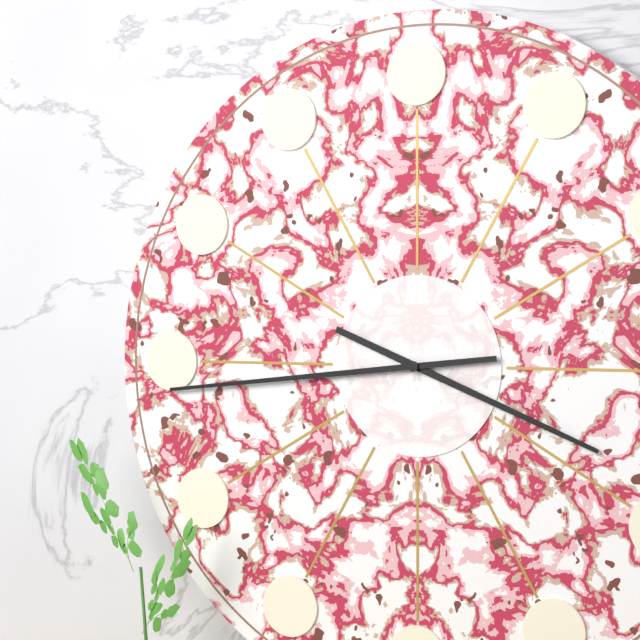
3:44
